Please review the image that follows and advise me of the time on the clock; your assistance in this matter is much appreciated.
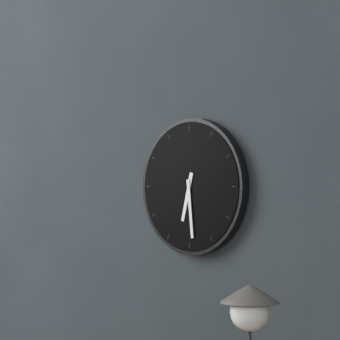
6:29
